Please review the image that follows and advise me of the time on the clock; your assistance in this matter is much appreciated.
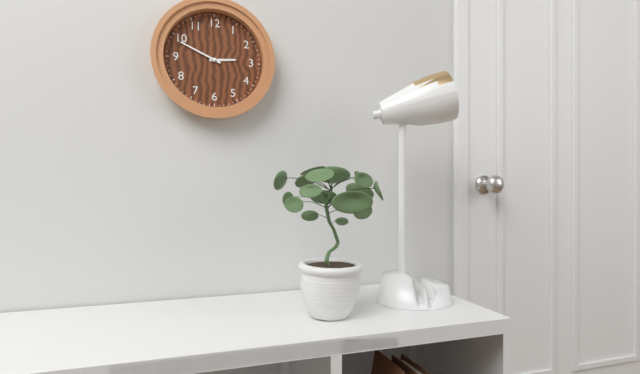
2:49
